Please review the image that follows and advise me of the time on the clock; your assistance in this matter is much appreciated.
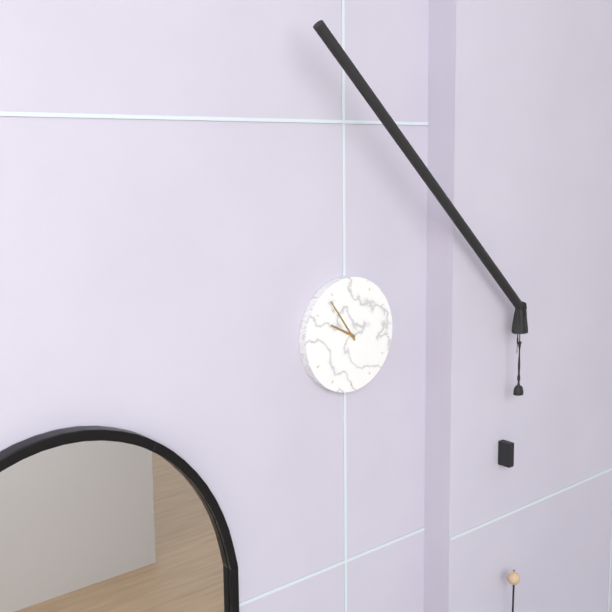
9:54
